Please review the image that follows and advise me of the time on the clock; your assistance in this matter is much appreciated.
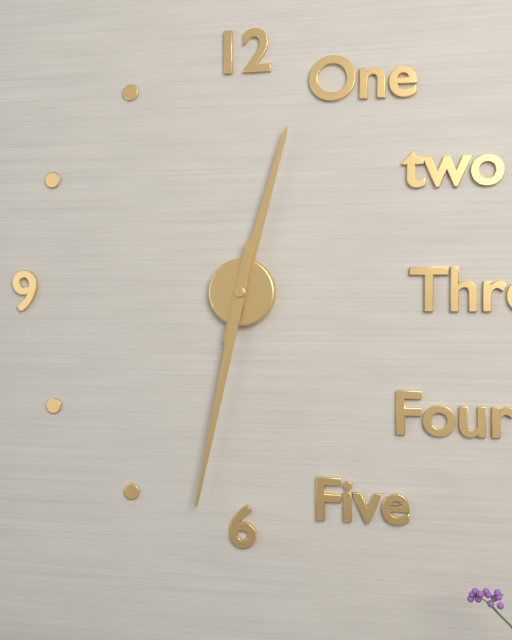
12:32
